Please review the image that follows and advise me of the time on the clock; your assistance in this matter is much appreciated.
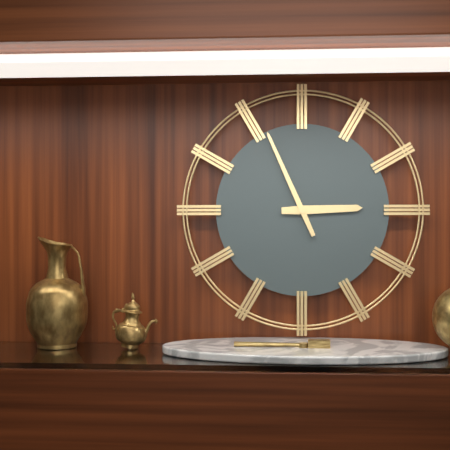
2:56
